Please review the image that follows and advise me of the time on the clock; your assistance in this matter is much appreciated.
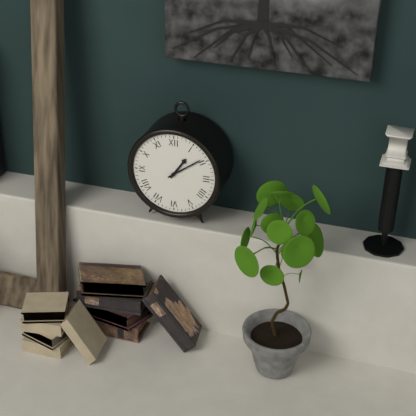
1:09
